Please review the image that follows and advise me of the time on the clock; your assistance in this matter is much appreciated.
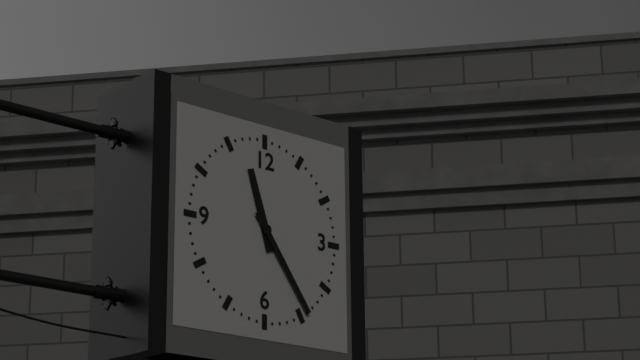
11:24
